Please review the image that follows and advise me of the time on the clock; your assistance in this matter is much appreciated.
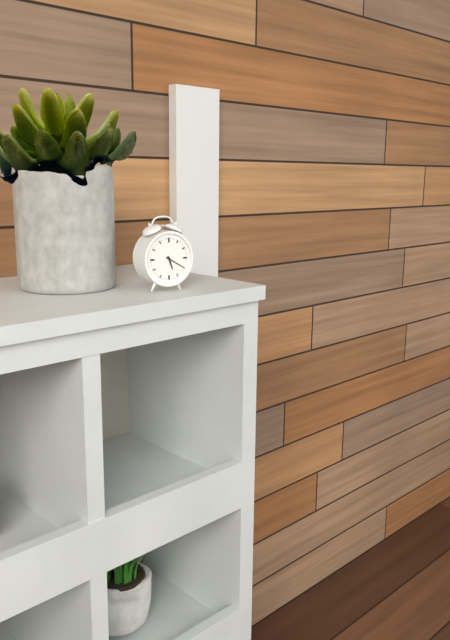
5:20
